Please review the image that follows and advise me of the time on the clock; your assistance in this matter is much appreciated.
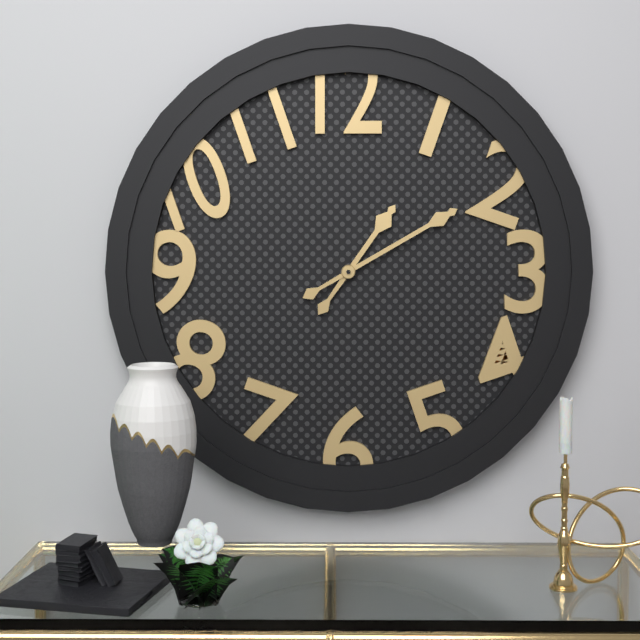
1:10
